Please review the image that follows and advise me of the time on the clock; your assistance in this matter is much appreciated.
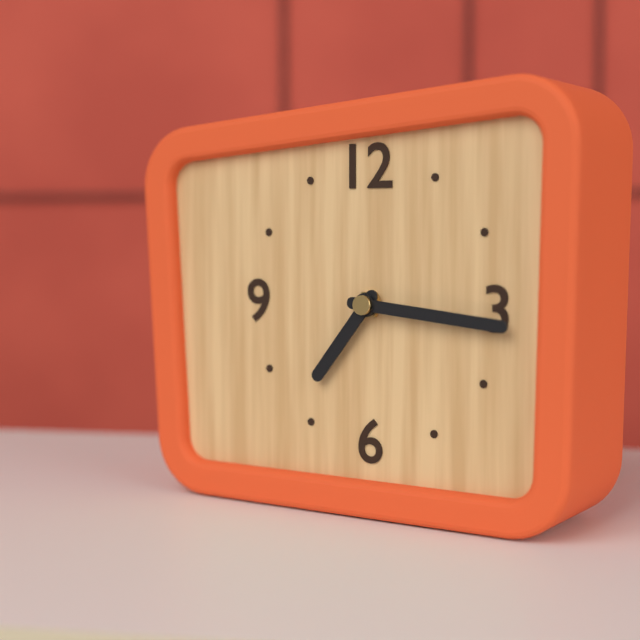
7:16
